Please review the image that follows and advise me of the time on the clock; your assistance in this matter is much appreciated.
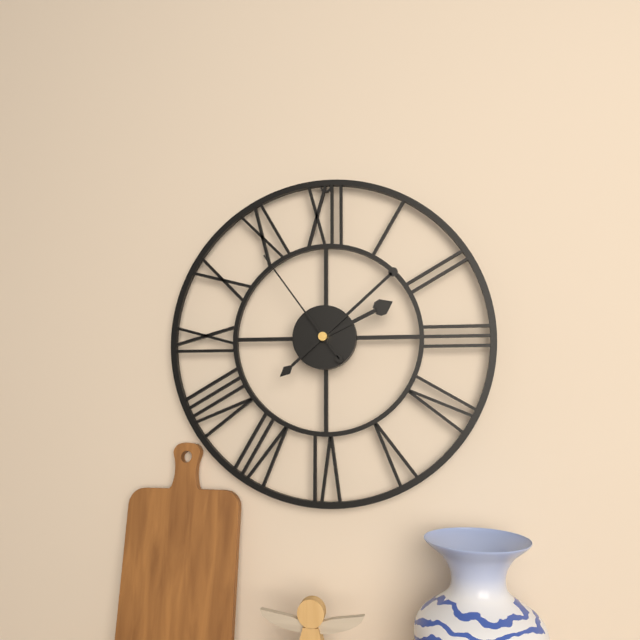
2:08:54
